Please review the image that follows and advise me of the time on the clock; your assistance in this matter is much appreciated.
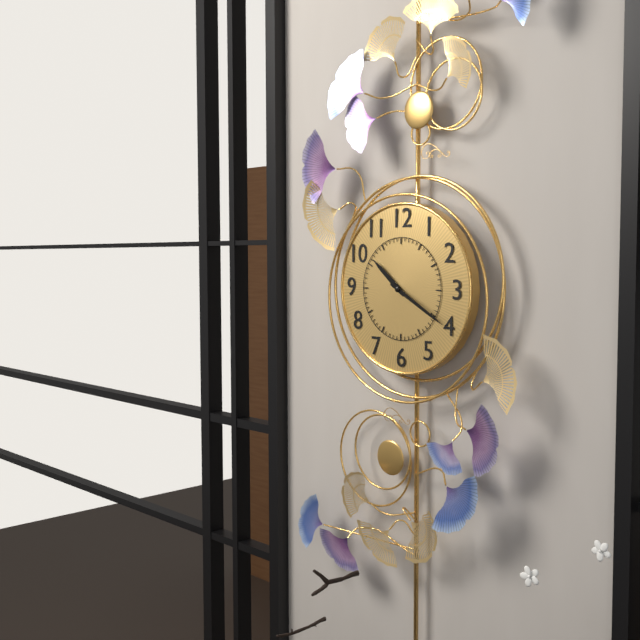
10:20
